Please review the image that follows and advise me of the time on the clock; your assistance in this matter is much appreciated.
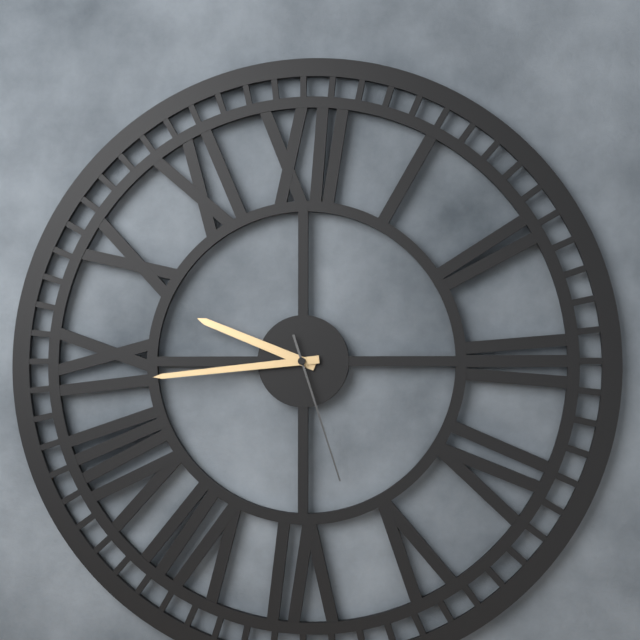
9:44:27
